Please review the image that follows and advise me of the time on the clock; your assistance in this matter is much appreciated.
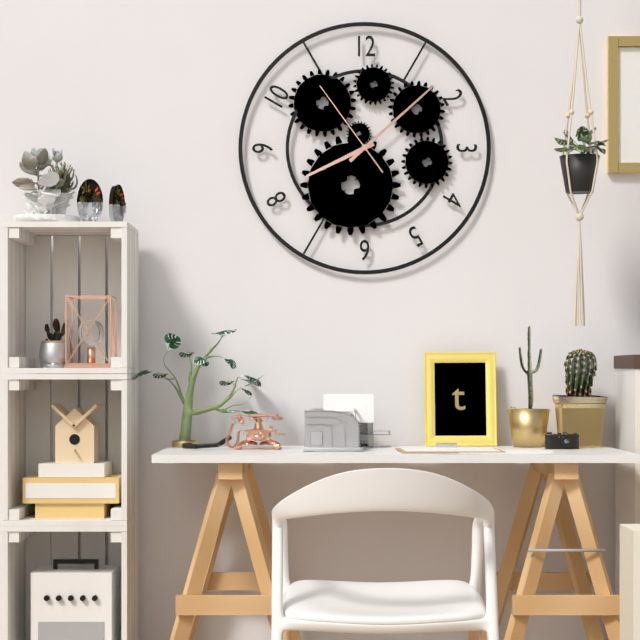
8:08:54
